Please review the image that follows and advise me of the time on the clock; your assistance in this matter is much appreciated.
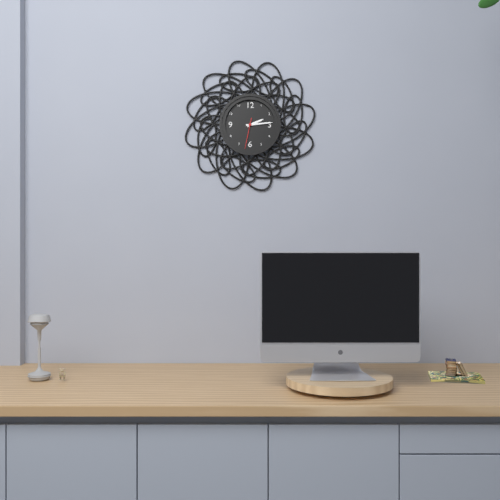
2:14
